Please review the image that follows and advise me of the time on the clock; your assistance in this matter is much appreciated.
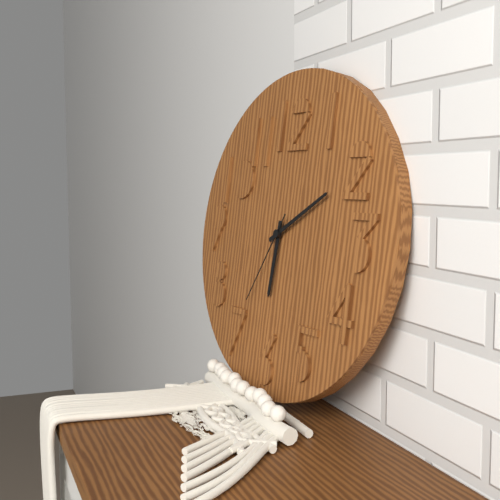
6:10:35
